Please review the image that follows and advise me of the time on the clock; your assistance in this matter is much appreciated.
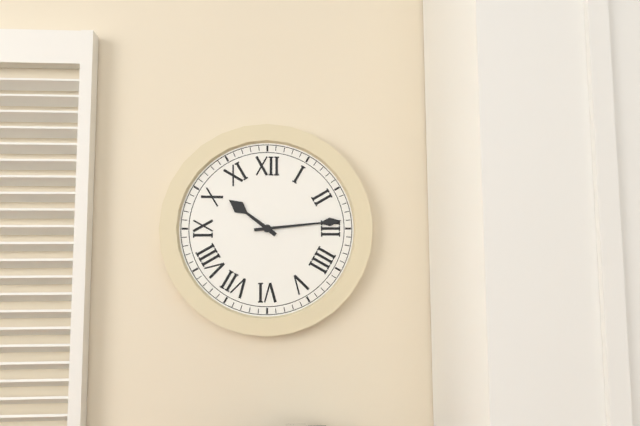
10:14
